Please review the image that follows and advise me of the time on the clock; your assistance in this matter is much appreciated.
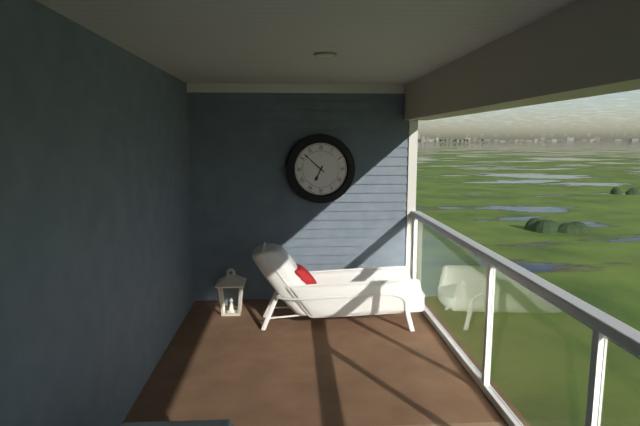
6:52
